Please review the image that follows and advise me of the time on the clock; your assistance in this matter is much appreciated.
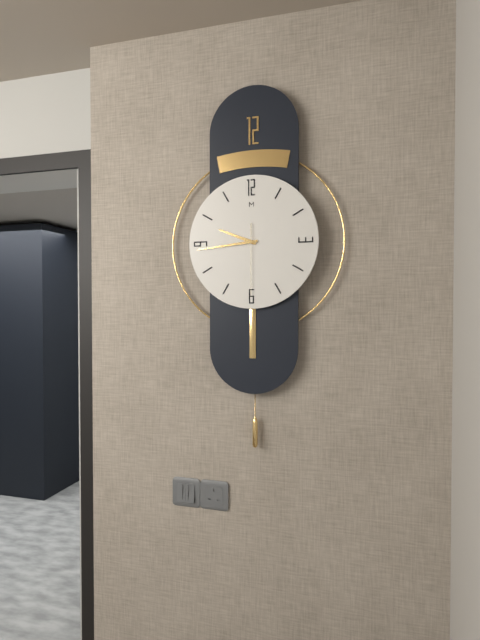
9:44:30
